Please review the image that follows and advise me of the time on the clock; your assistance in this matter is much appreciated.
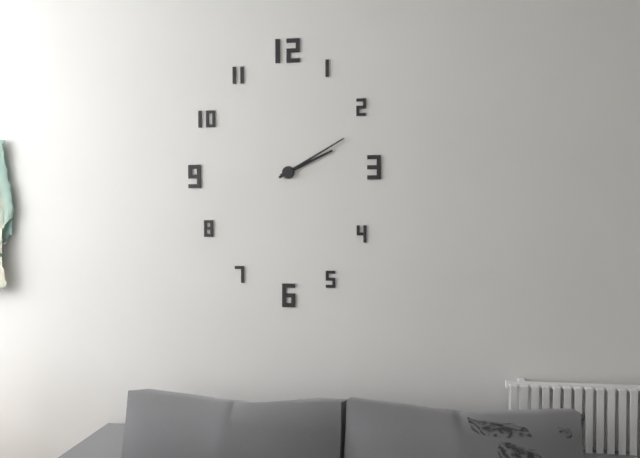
2:10
